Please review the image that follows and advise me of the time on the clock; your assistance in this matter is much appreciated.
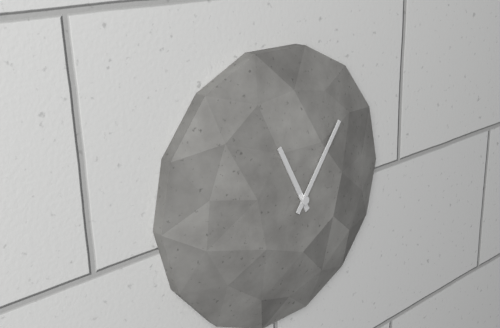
11:06
